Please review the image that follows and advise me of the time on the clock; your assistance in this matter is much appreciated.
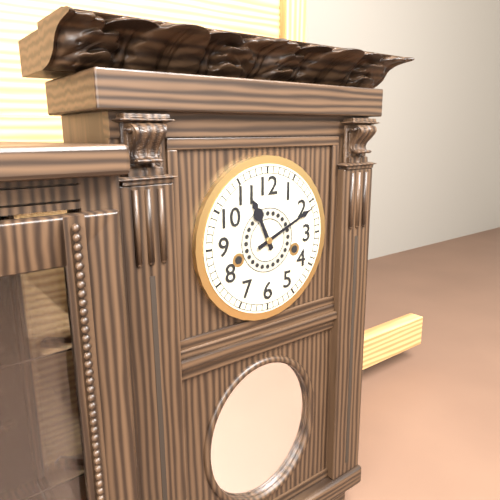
11:11
